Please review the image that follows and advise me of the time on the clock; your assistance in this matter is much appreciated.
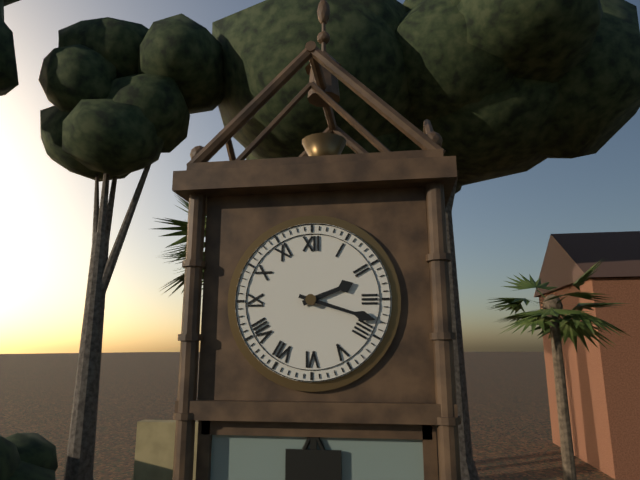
2:18
